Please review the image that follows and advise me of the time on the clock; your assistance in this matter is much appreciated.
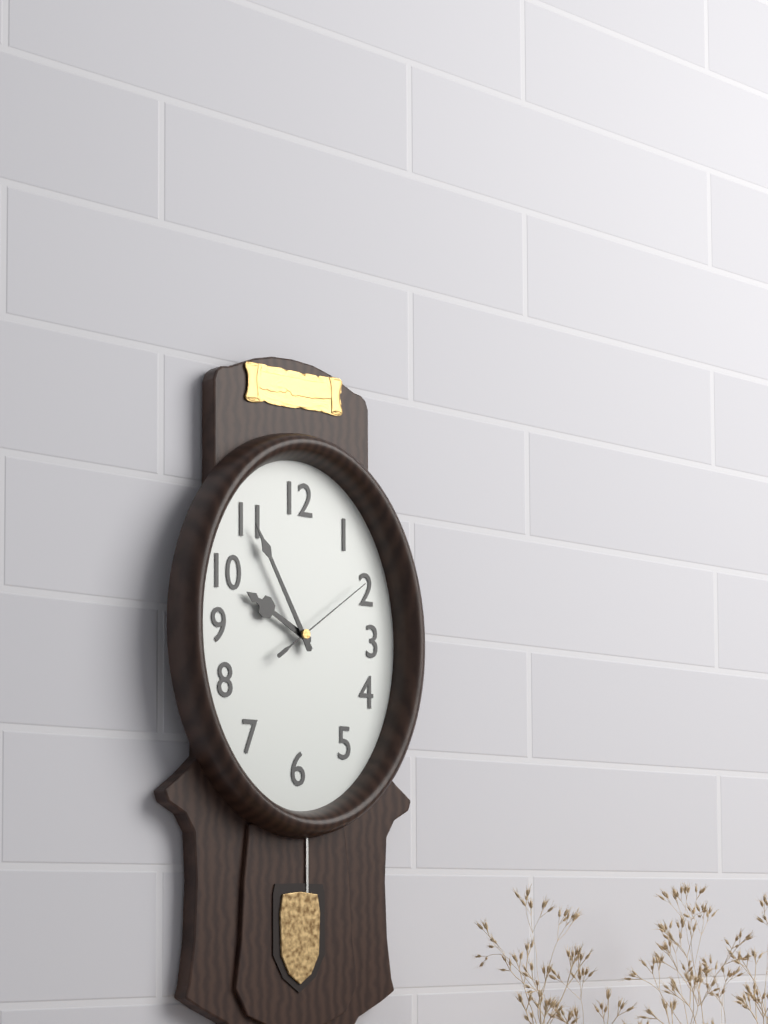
9:55:09
